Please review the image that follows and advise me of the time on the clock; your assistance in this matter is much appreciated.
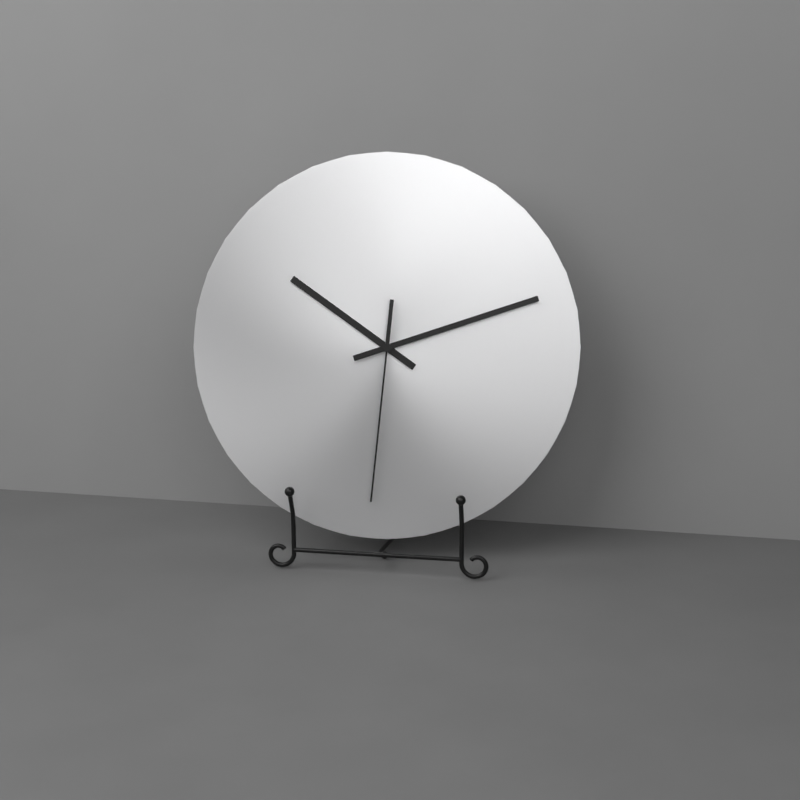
10:12:31
